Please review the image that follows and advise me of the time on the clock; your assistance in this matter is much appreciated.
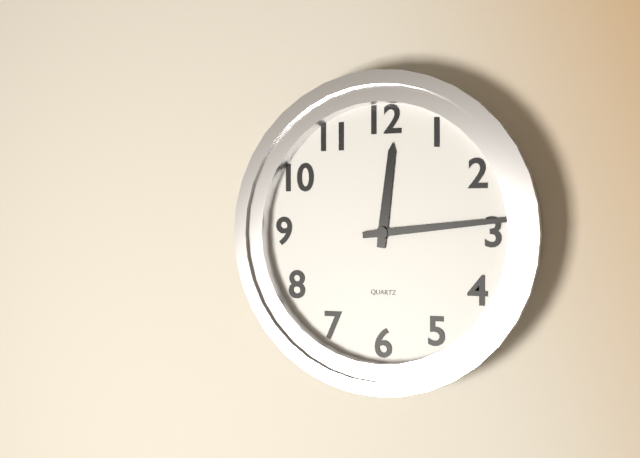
12:14
